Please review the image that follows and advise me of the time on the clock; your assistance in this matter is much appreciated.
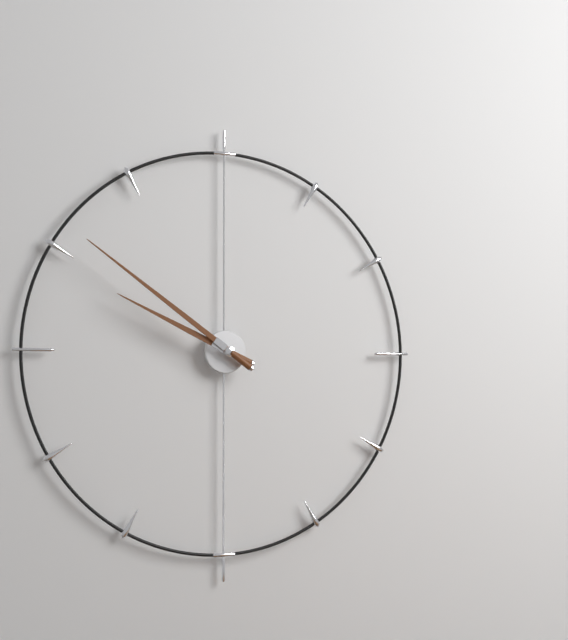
9:51
